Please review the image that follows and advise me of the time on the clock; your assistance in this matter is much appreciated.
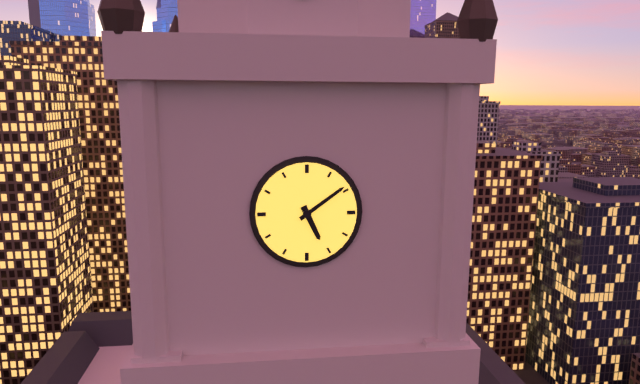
5:09
